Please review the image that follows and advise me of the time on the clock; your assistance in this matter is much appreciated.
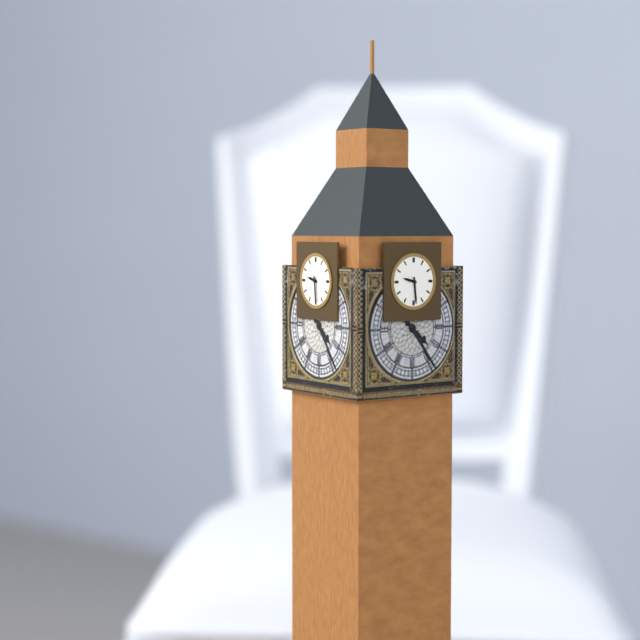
9:29
